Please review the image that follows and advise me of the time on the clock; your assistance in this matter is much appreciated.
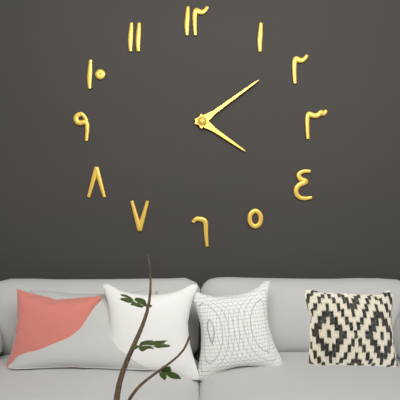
4:09
